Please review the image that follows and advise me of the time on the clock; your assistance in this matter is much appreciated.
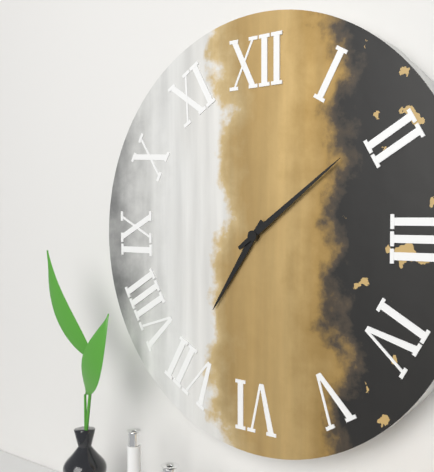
7:09
